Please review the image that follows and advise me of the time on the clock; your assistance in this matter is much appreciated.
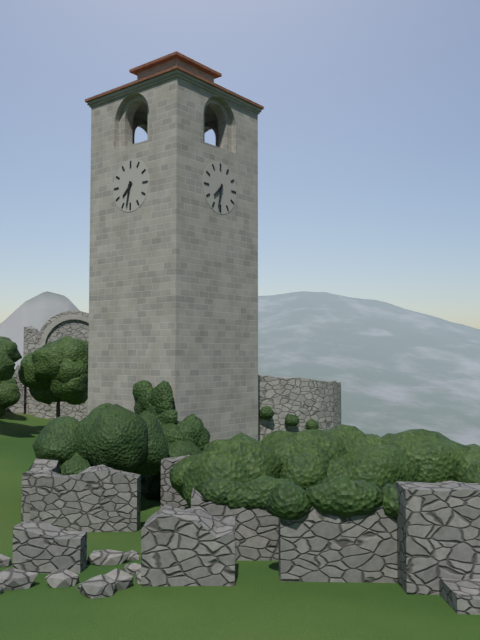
7:32
